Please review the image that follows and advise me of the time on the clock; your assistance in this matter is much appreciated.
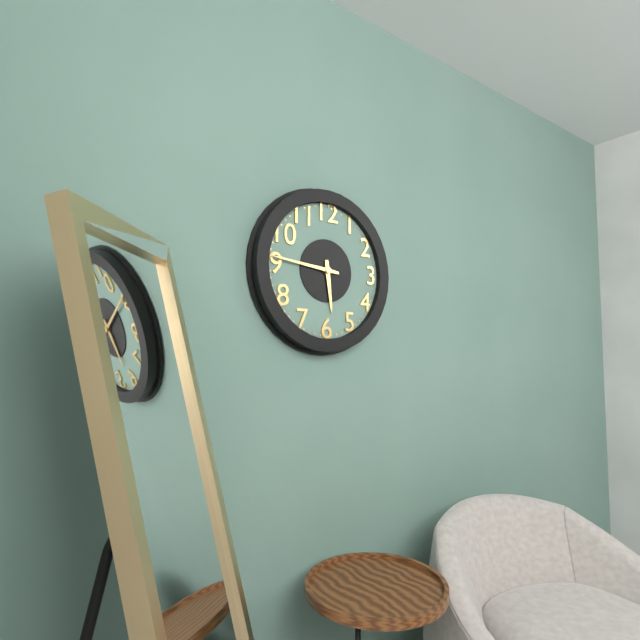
5:46
